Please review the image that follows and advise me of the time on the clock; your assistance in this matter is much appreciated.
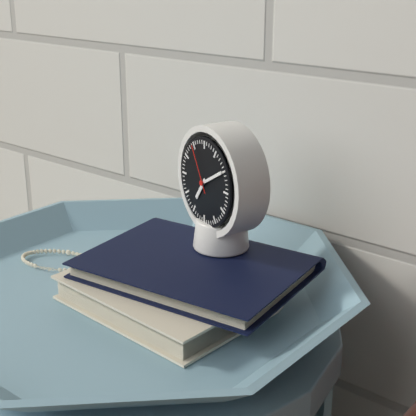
7:10
